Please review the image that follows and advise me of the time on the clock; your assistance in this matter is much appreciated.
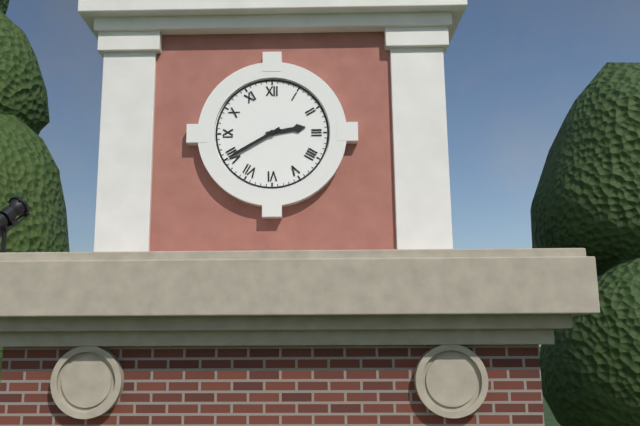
2:40
